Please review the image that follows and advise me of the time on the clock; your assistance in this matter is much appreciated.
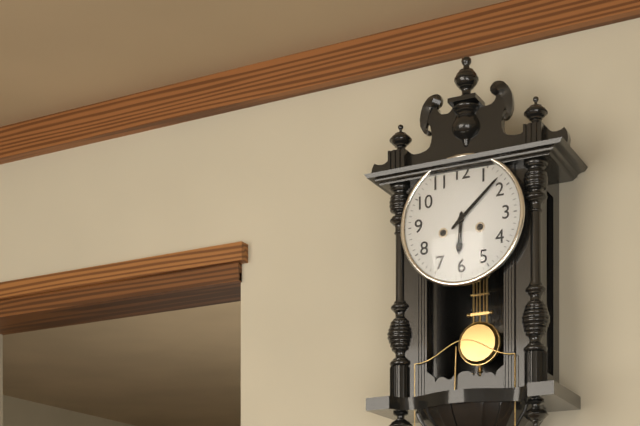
6:08
